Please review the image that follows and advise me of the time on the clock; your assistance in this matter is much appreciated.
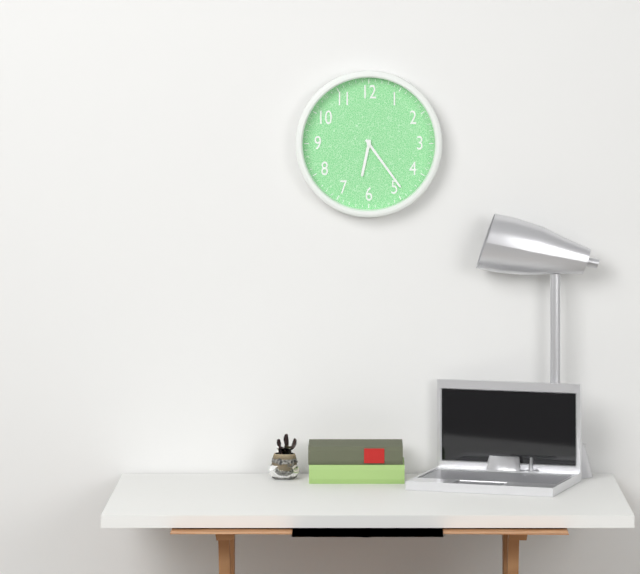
6:24
